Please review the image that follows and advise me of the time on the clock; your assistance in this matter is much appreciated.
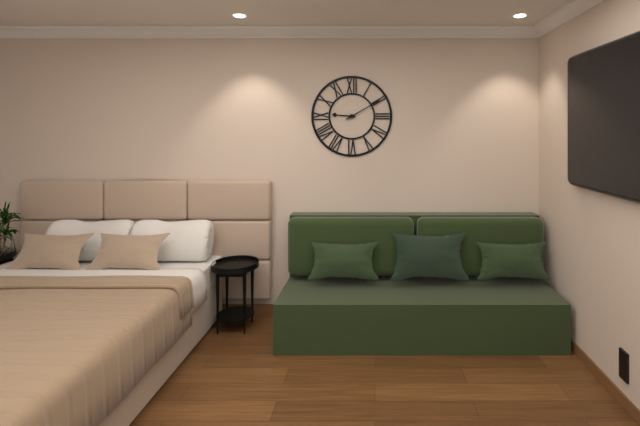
9:10
